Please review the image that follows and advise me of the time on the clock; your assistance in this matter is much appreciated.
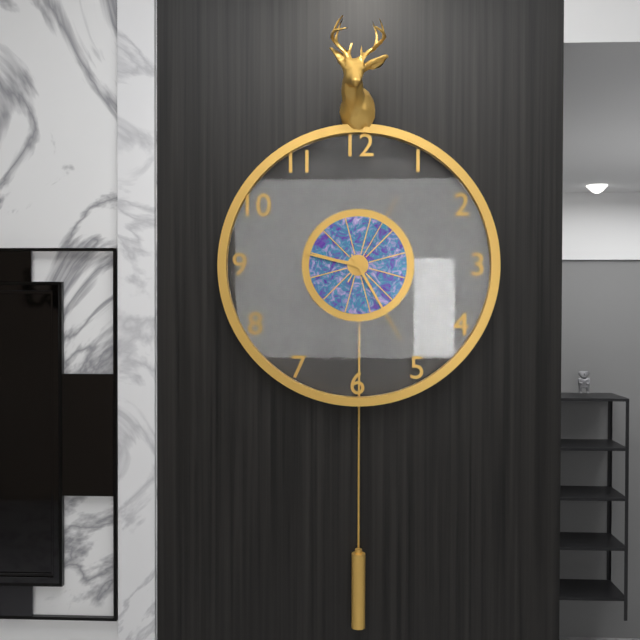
9:25:05
